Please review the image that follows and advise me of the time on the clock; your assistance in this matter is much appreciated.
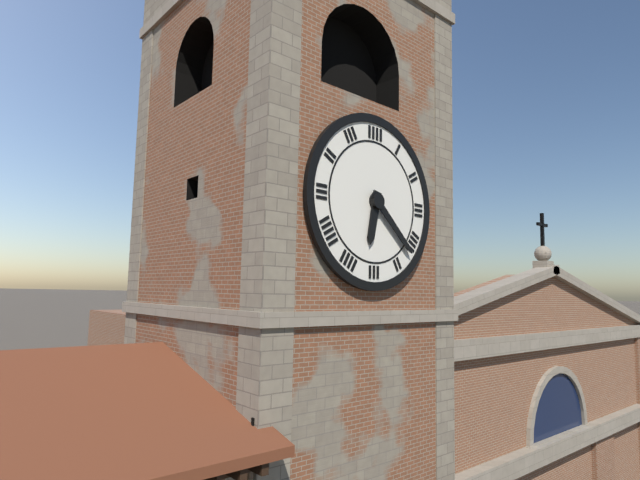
6:22
